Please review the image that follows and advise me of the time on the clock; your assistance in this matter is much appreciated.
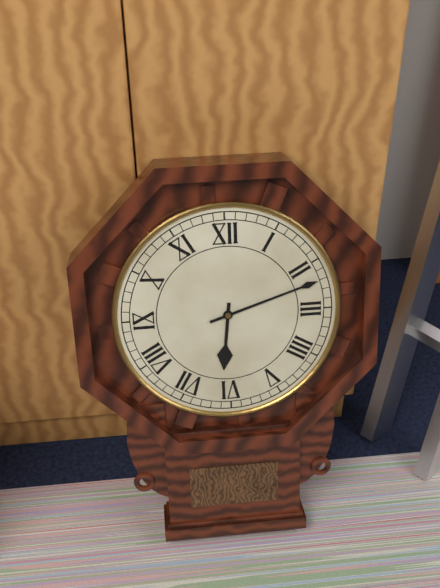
6:12
